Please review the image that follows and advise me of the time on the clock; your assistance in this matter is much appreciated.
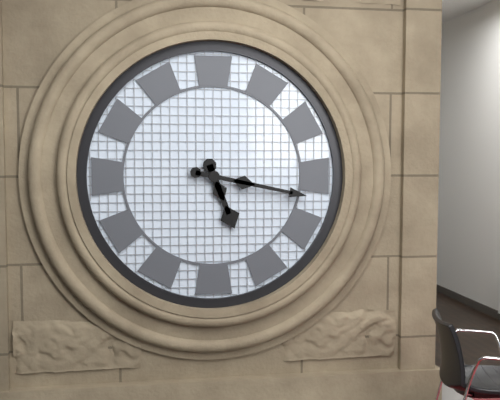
5:17
